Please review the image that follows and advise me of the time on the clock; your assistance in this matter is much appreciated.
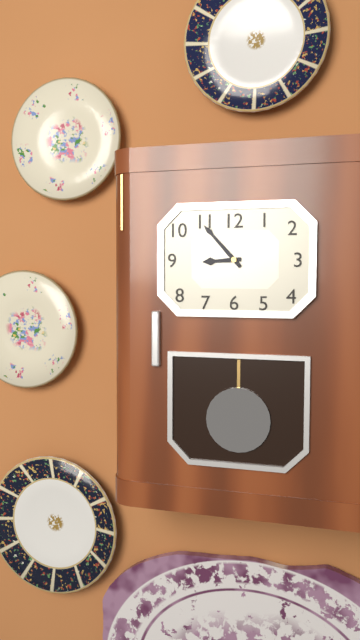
8:53
